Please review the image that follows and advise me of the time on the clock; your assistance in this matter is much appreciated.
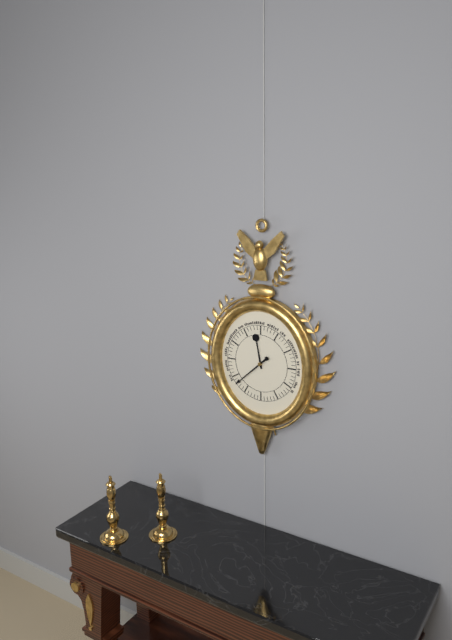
11:38
